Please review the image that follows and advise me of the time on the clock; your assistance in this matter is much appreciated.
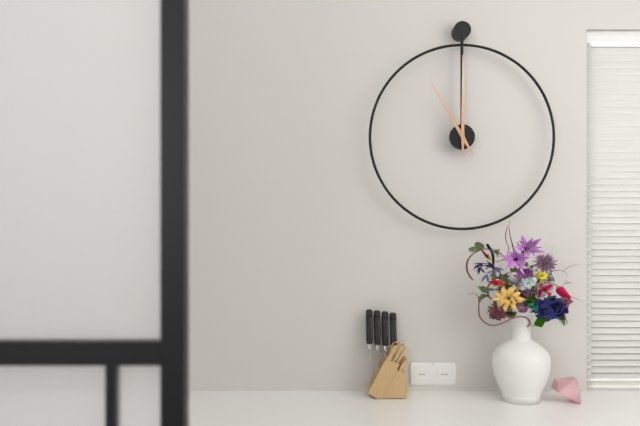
11:00
